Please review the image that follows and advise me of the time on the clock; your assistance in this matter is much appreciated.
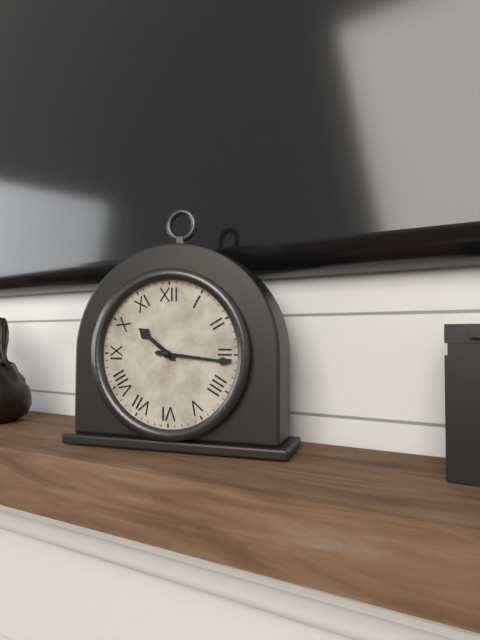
10:16
